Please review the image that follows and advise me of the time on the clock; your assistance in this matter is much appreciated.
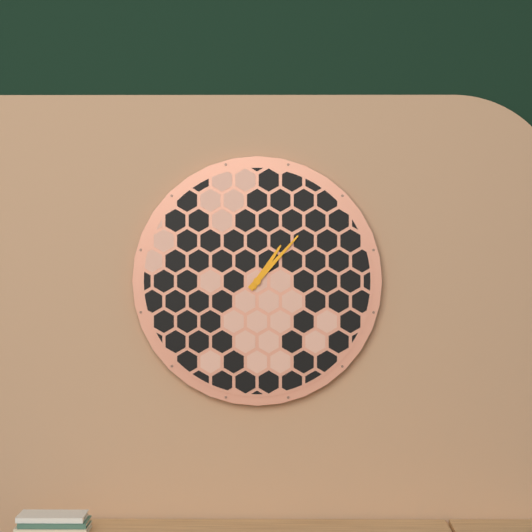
1:07
